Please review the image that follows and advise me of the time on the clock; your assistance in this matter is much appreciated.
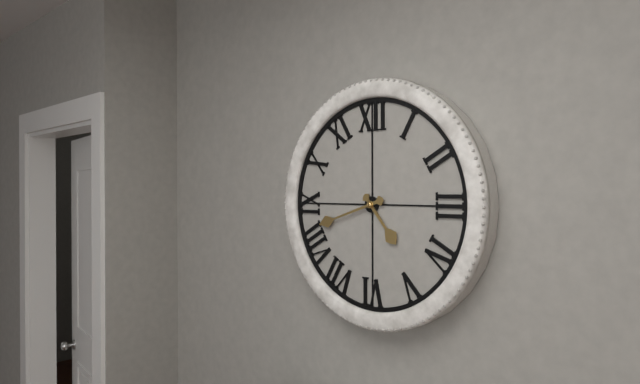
4:42
